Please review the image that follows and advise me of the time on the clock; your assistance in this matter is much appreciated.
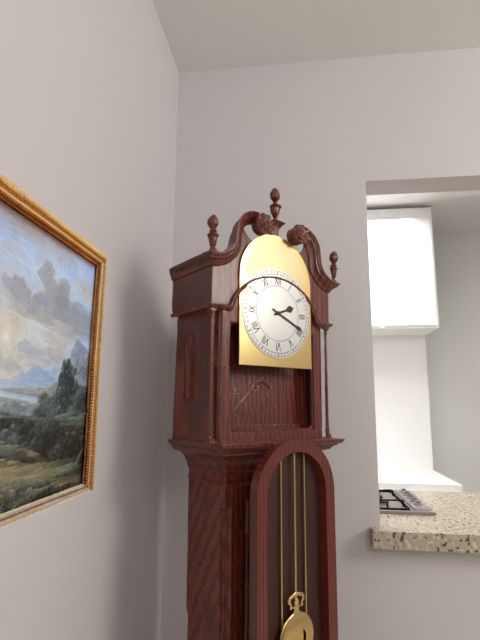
2:19
